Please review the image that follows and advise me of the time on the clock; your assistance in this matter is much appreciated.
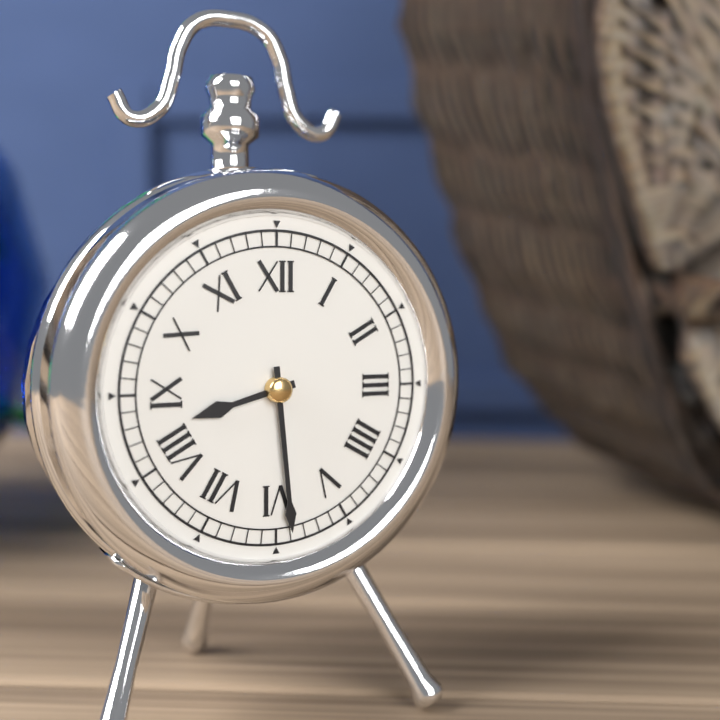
8:29
